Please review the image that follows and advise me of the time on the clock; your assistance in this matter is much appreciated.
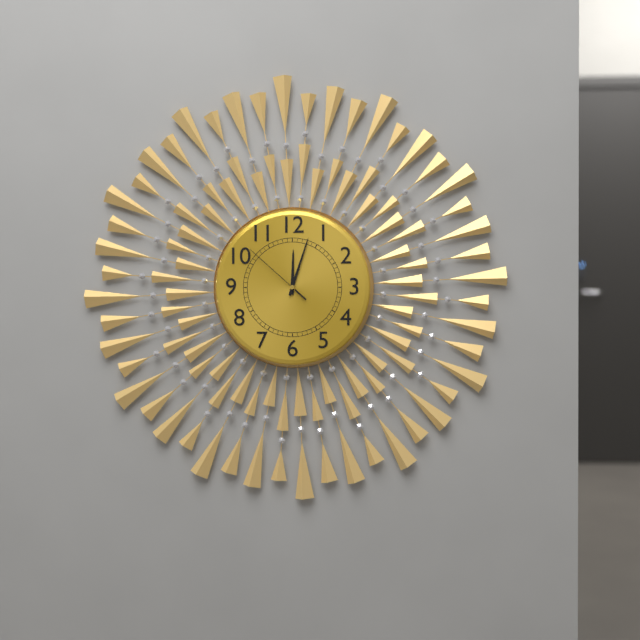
12:03:52
